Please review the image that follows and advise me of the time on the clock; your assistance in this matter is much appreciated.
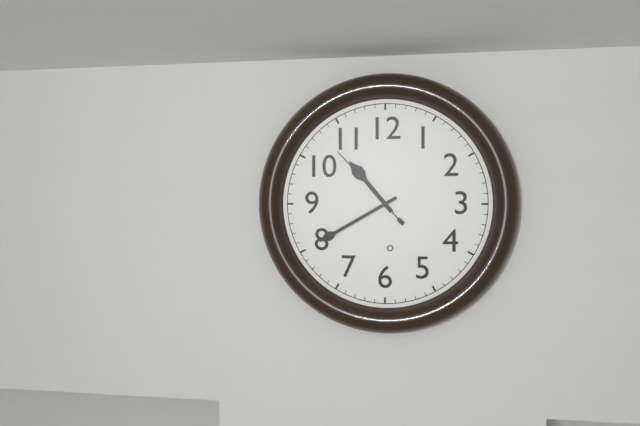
10:40:53
